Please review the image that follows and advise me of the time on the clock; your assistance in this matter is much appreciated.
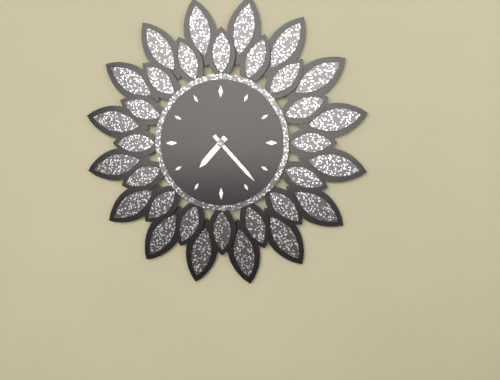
7:23
